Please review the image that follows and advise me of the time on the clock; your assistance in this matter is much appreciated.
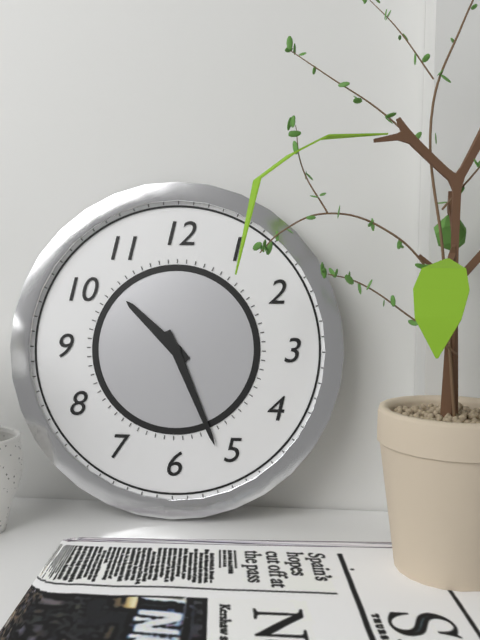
10:26
